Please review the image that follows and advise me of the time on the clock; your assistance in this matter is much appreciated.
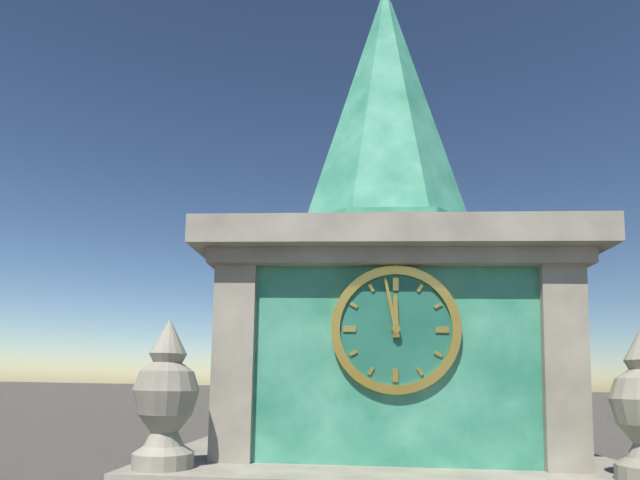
11:58
